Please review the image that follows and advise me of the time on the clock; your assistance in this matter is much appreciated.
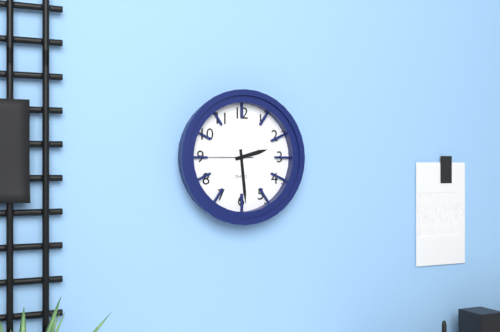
2:29:45
